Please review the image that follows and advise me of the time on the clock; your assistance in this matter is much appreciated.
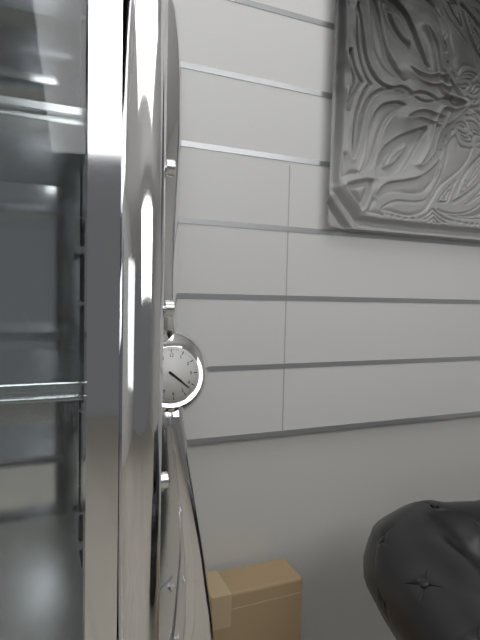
4:22
